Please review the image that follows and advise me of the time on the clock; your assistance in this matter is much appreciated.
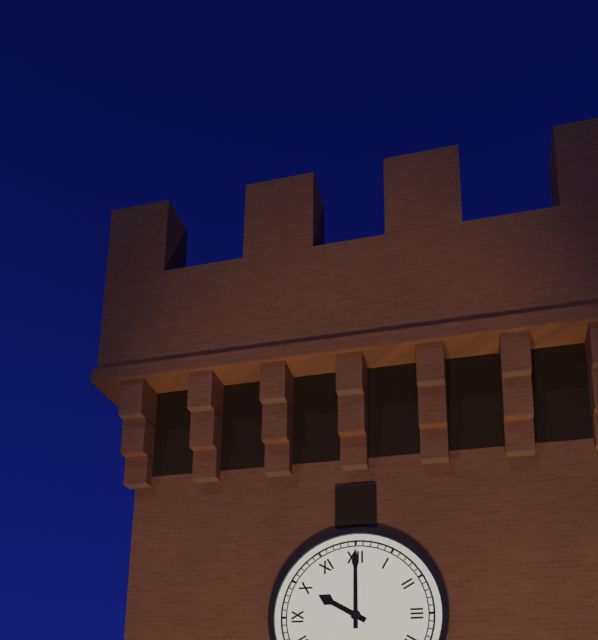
10:00
